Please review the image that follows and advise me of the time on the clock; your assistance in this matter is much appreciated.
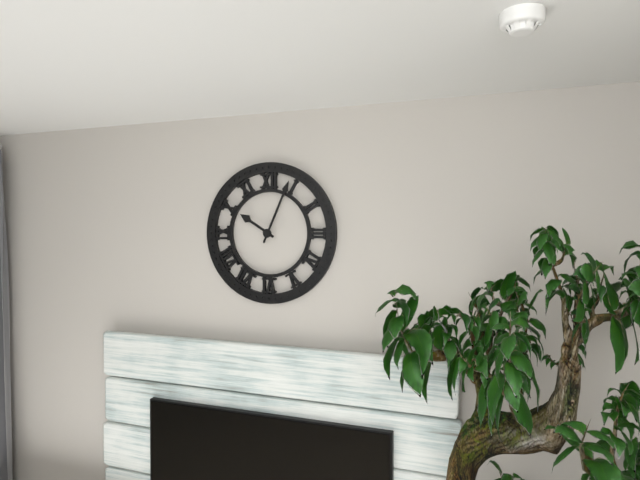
10:04
